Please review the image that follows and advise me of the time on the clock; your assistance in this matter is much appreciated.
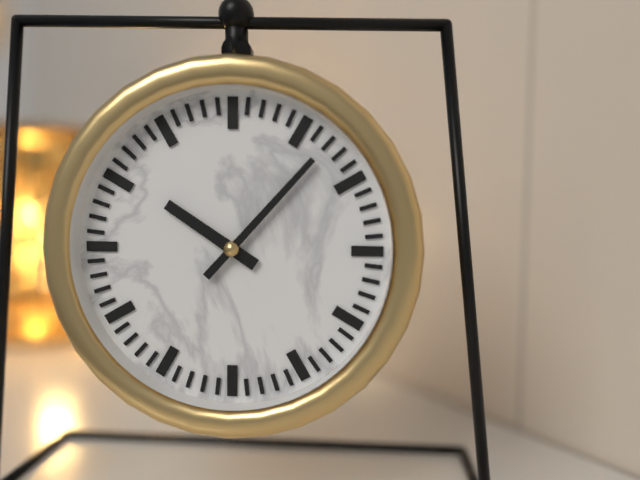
10:07
